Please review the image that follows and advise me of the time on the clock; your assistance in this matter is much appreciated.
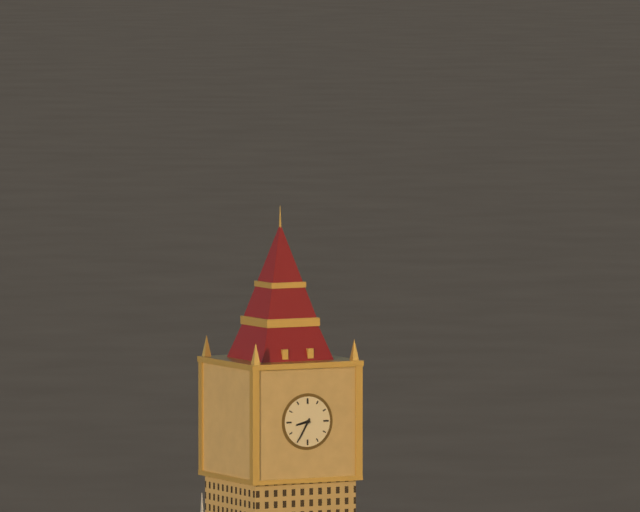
8:35
